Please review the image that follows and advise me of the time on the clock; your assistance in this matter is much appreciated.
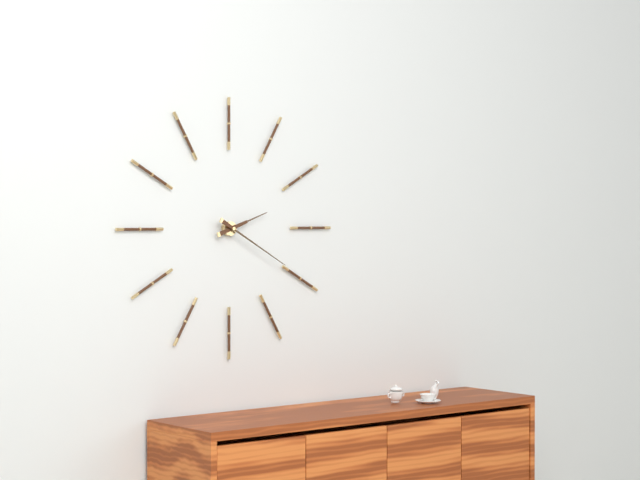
2:20
